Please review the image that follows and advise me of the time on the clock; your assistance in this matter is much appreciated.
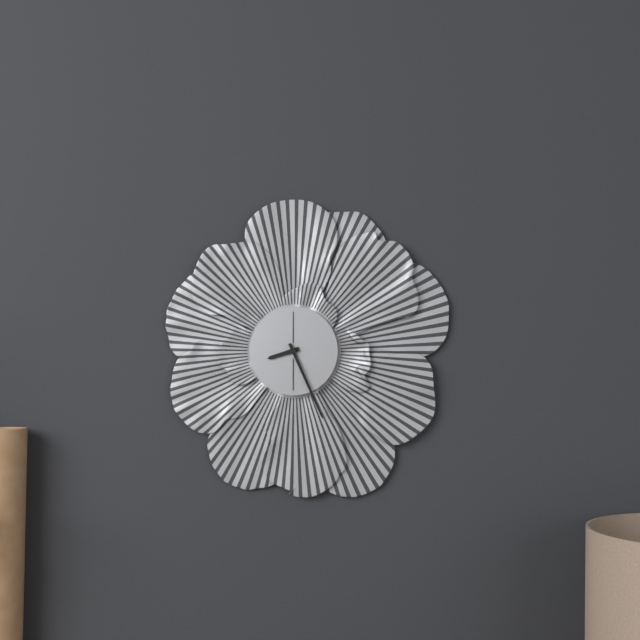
8:26
